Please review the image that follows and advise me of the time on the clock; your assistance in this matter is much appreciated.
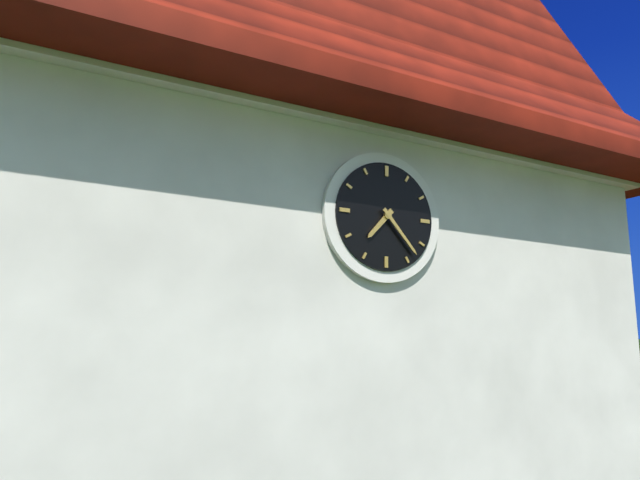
7:23
